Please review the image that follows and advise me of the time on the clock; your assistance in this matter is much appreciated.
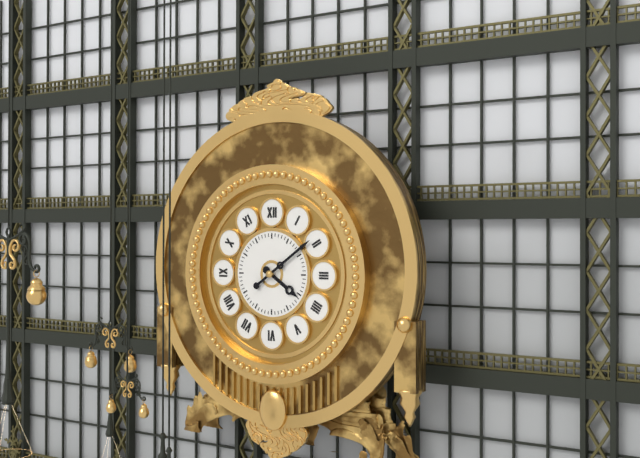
4:09
